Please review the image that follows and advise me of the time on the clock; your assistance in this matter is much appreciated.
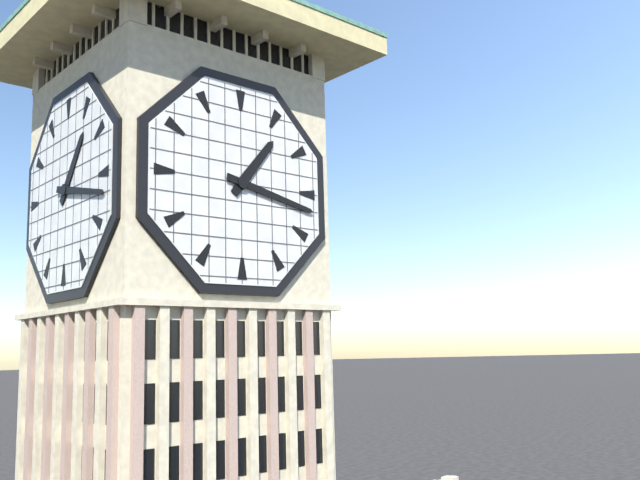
1:17
